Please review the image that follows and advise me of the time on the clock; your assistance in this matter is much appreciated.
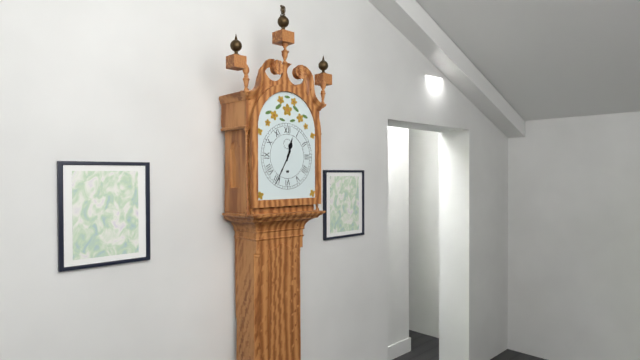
12:35
